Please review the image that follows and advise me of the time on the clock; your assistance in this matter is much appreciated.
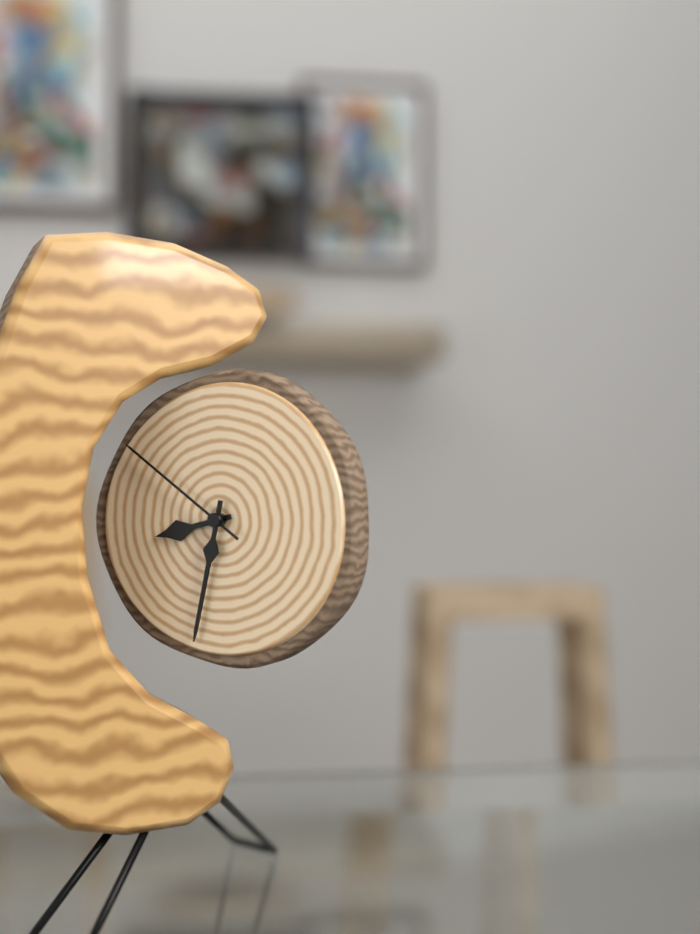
8:32:51
